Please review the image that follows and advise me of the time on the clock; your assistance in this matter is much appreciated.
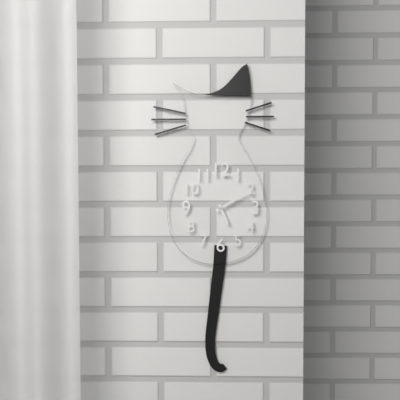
5:10
